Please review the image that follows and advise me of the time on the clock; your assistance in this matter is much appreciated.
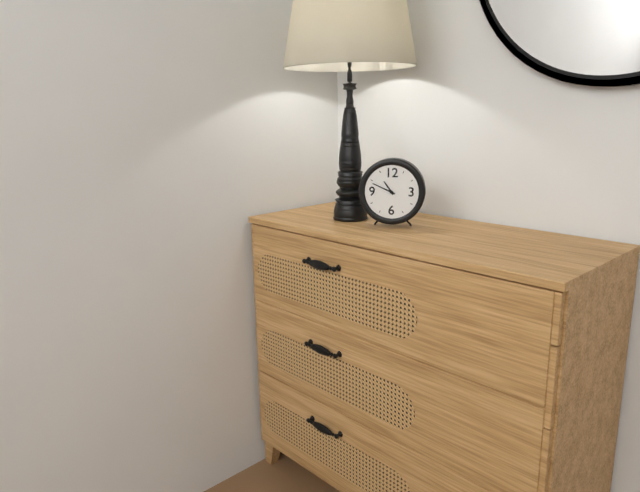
10:49
